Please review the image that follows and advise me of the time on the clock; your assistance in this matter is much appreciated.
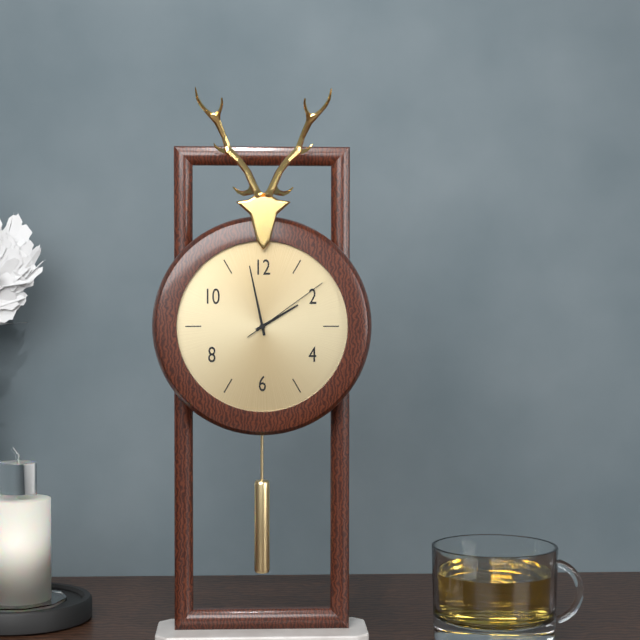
1:58:09
